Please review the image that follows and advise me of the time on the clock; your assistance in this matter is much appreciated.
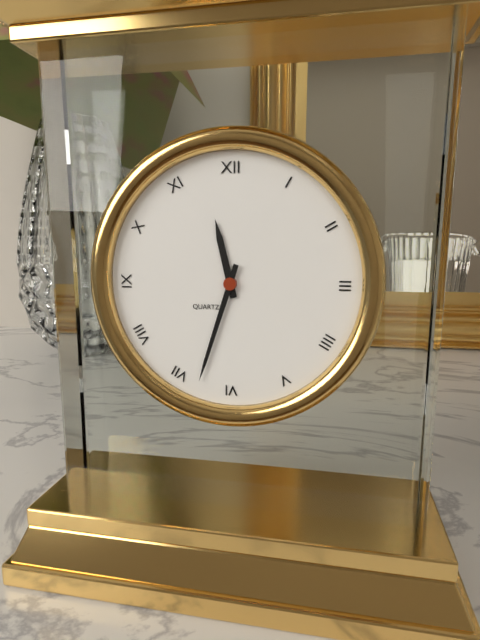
11:33
